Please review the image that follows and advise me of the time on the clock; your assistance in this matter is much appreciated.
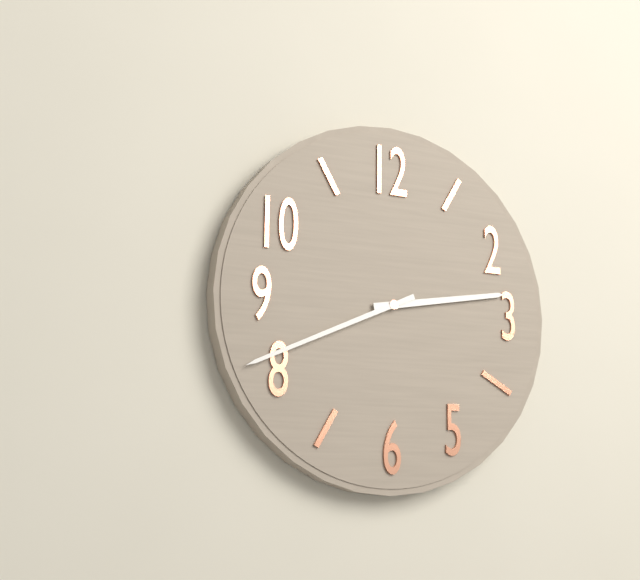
2:41
